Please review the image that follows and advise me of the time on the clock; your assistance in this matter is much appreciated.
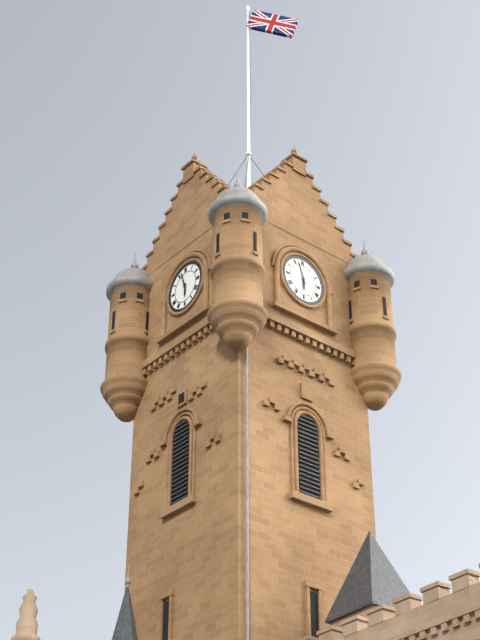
5:57
